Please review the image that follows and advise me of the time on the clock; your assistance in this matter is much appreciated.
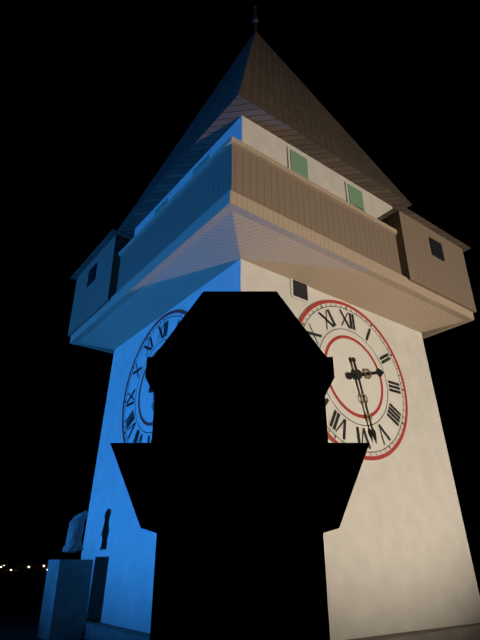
2:28
